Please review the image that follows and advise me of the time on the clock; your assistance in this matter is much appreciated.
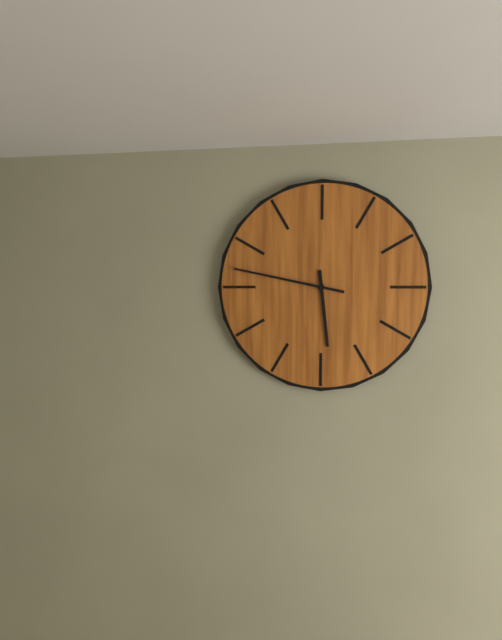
5:47
